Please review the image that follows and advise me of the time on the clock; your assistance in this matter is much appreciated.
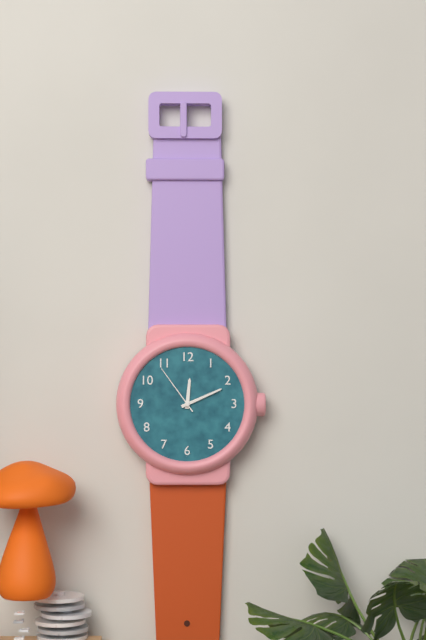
12:11:54
